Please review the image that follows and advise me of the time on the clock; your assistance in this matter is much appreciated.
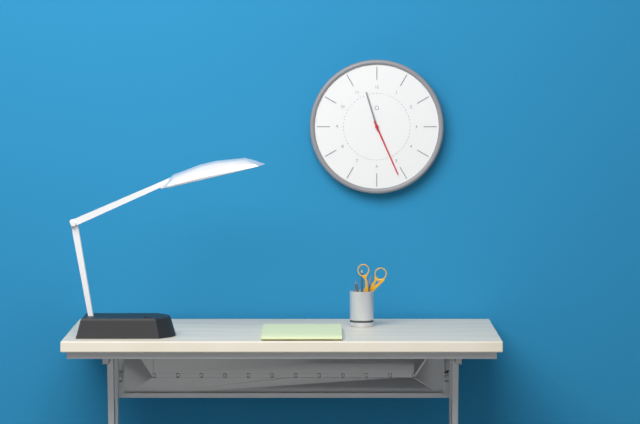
11:26
